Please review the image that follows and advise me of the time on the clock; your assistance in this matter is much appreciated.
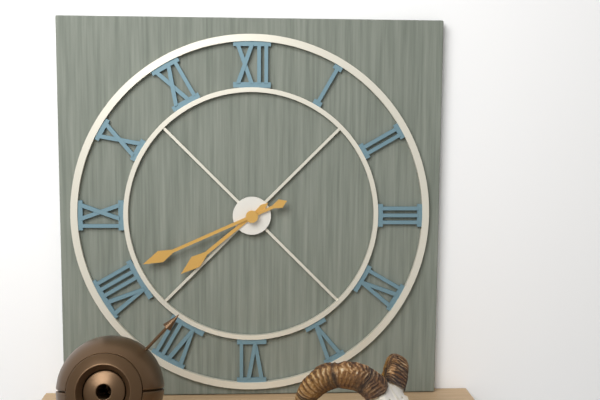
7:41
